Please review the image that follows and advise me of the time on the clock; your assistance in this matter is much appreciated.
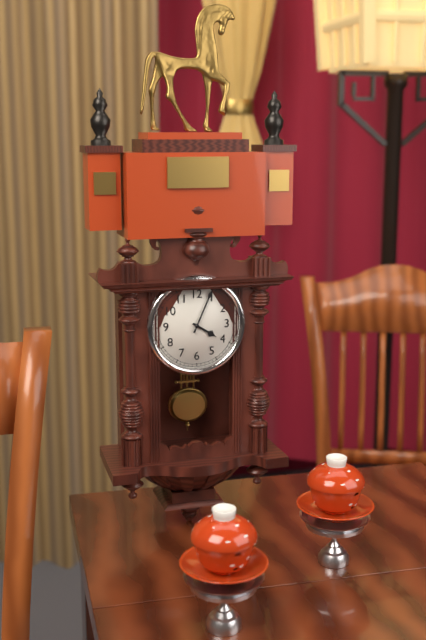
4:04
